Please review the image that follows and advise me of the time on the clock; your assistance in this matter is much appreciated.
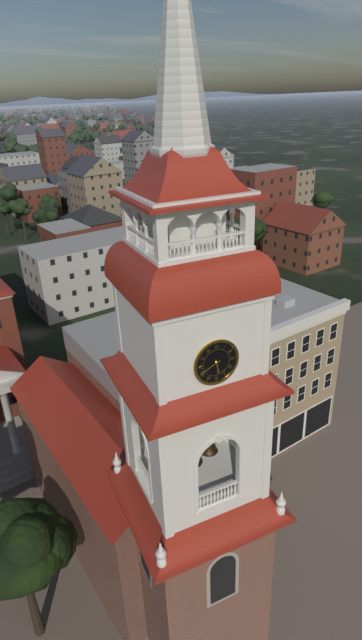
5:41
